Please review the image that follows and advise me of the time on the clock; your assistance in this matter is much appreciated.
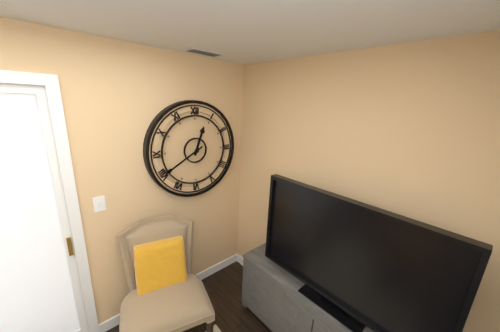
12:40
